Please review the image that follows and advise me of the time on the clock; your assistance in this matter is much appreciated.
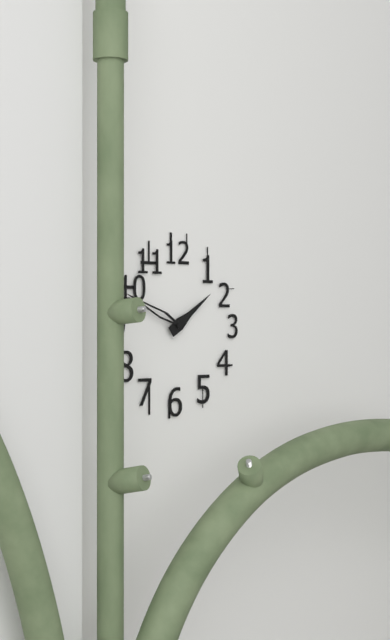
1:49
